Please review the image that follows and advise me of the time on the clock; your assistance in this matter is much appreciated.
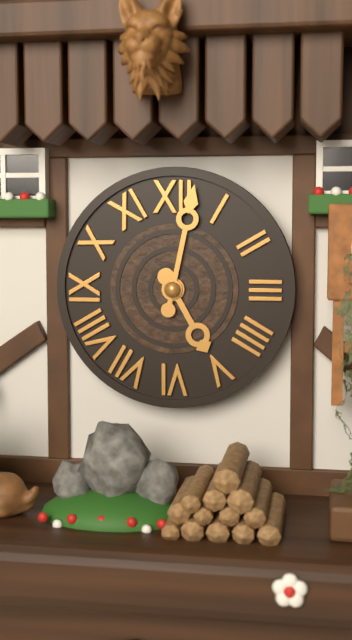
5:02
